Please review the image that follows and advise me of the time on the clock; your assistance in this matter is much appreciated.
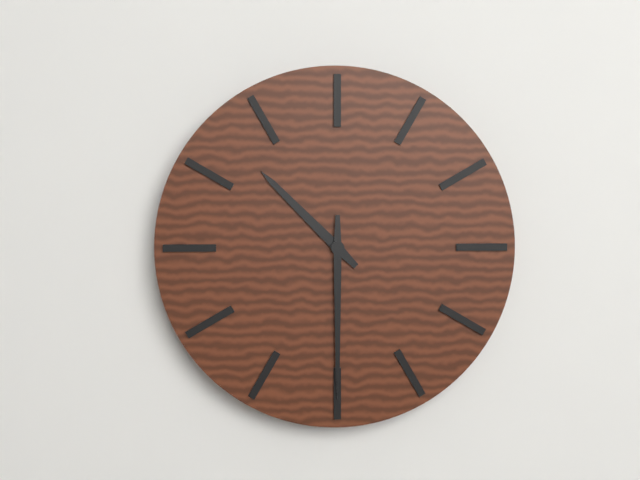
10:30
